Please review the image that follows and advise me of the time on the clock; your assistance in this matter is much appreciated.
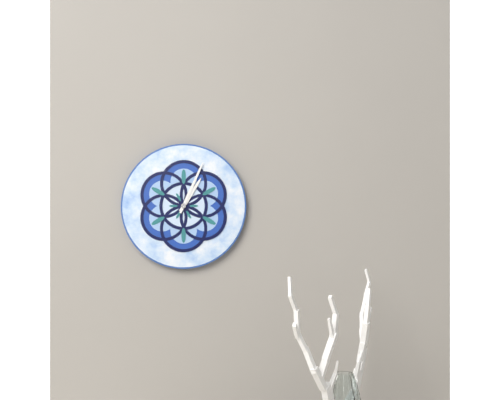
1:04
